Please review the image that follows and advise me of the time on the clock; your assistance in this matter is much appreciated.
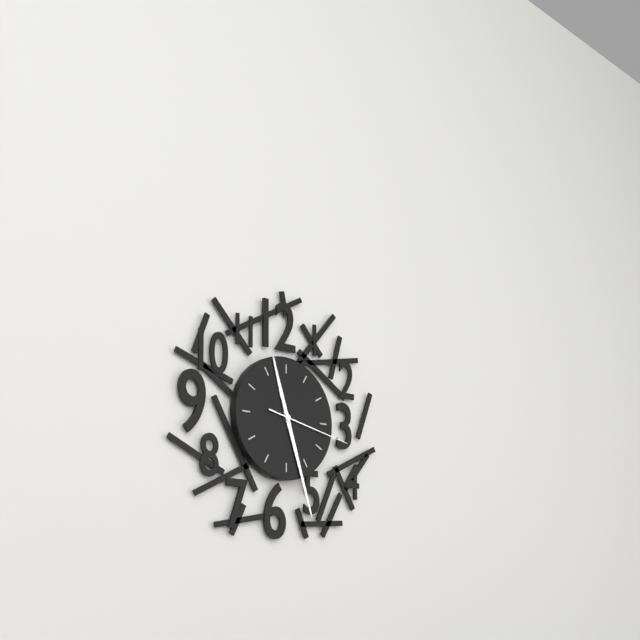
11:27:17
